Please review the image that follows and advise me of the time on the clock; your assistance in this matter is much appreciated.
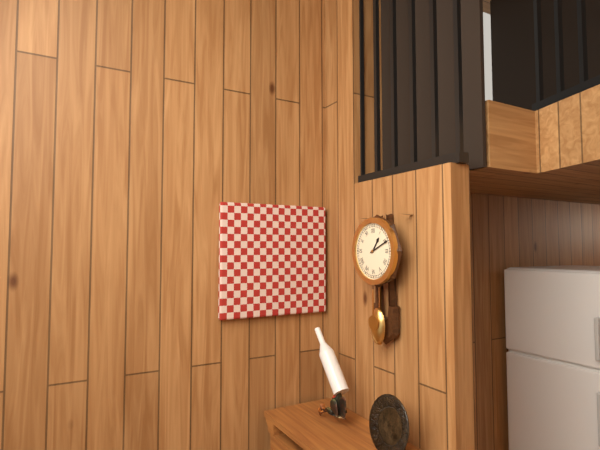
1:11
